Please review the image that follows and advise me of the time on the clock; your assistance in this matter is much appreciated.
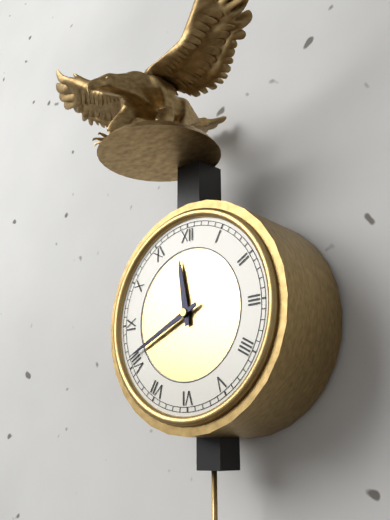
11:41
